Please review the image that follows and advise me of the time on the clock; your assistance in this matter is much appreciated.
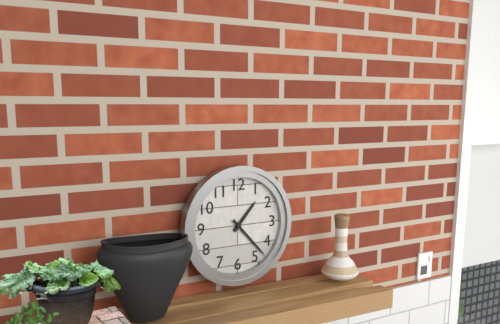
1:23
